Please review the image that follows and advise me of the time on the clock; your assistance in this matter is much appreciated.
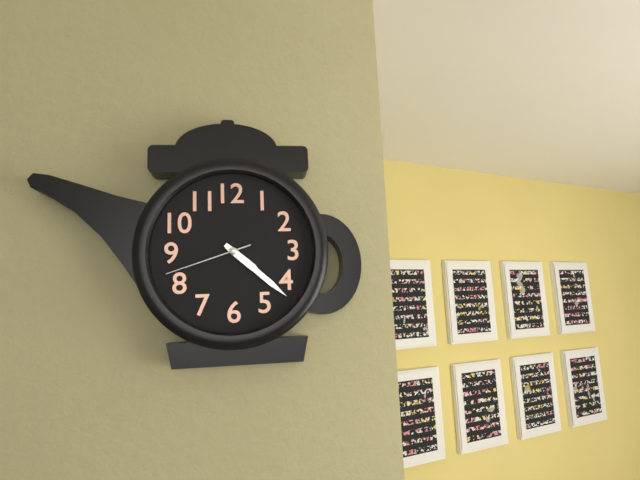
4:22:42
